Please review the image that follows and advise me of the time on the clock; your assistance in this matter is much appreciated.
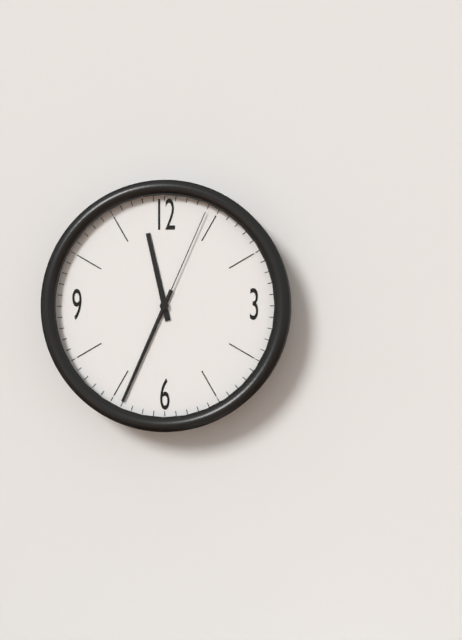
11:34:04
